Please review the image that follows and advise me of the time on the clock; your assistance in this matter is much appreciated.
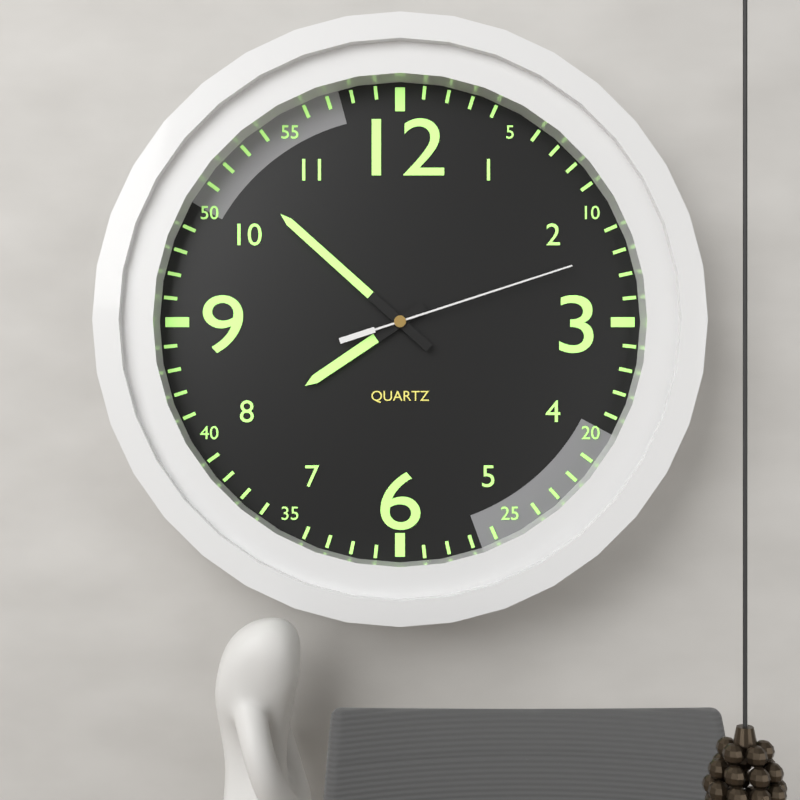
7:52:12
